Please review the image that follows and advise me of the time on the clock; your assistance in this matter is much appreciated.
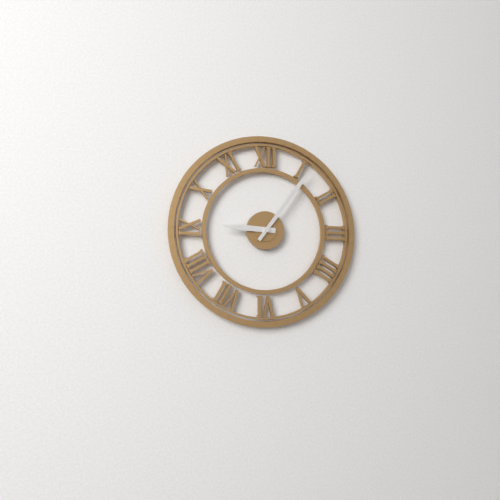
9:06
